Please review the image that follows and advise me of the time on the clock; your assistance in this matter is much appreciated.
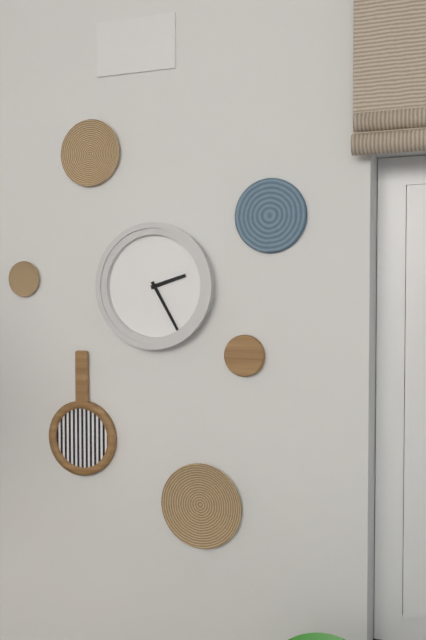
2:25
